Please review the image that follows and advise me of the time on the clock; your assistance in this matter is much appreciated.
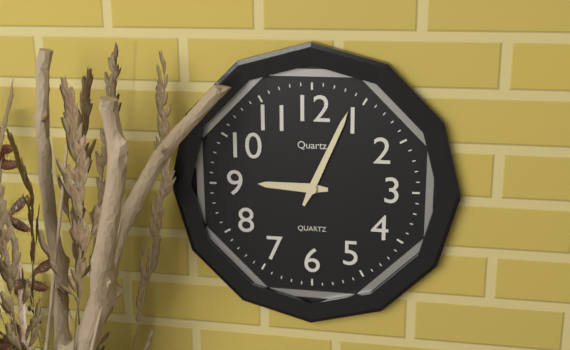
9:04
